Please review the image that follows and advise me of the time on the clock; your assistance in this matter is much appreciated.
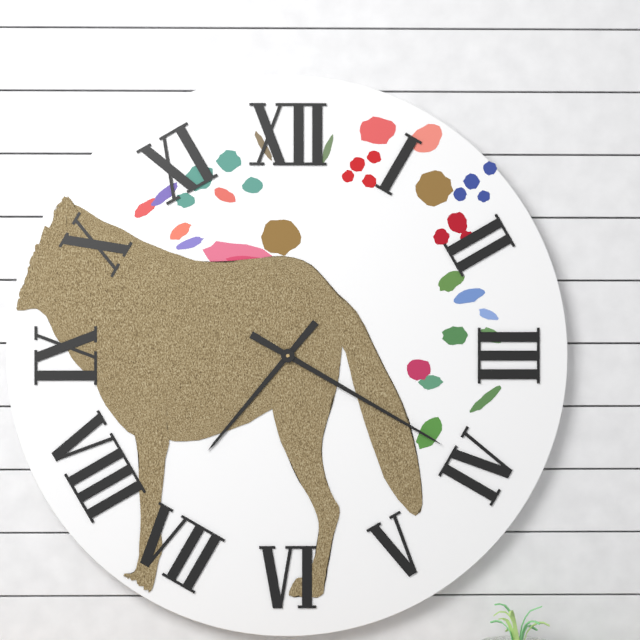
7:20
